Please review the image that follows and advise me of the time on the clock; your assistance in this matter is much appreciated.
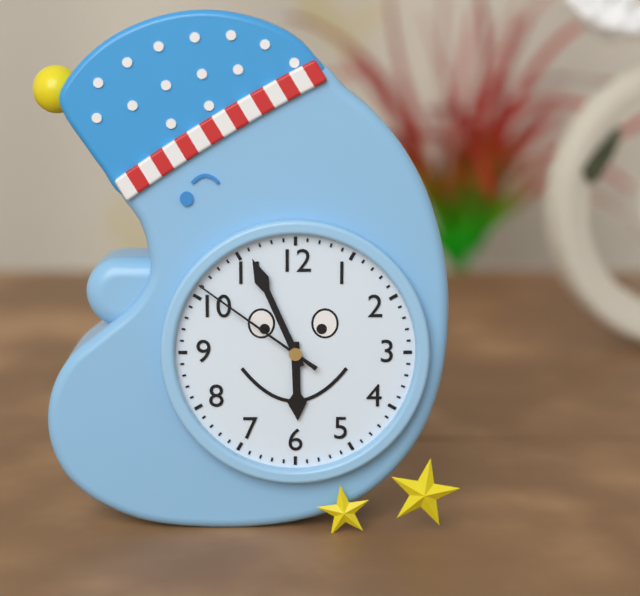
5:56:51
